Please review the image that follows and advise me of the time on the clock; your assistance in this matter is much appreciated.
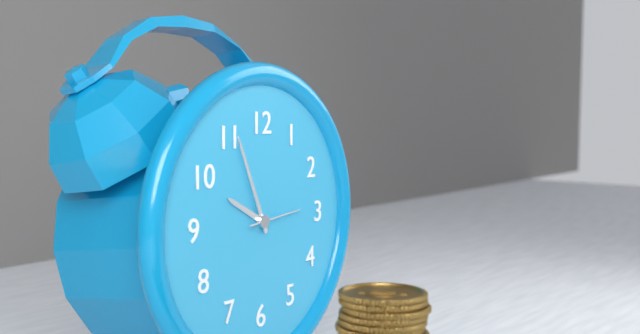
9:56:14
